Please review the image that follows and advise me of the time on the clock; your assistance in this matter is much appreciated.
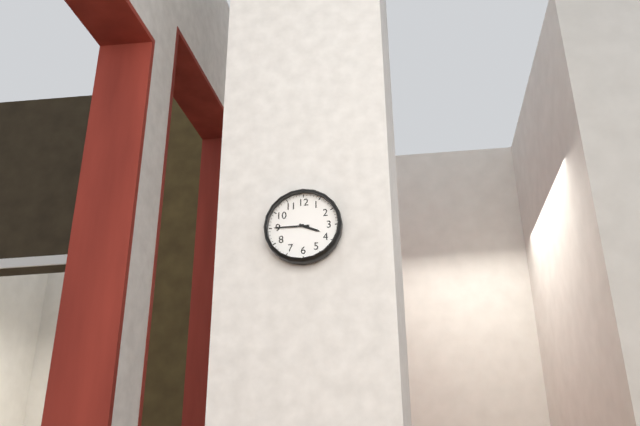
3:45
